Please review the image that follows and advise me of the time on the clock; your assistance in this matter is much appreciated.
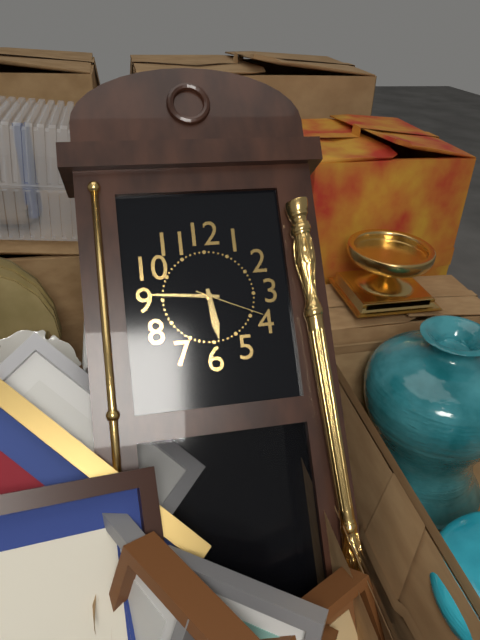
5:46:19
